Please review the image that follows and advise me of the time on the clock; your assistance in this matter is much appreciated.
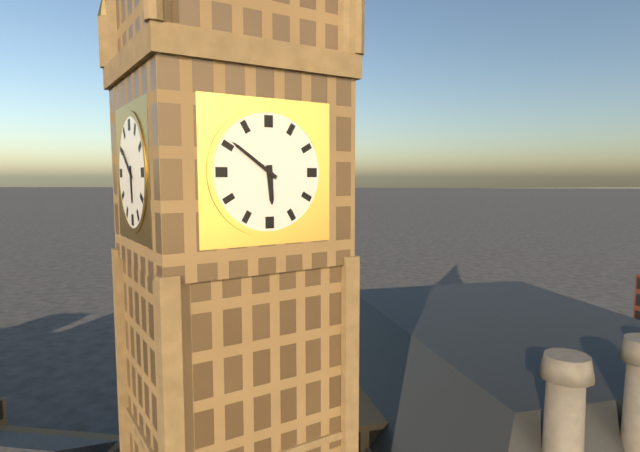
5:51
